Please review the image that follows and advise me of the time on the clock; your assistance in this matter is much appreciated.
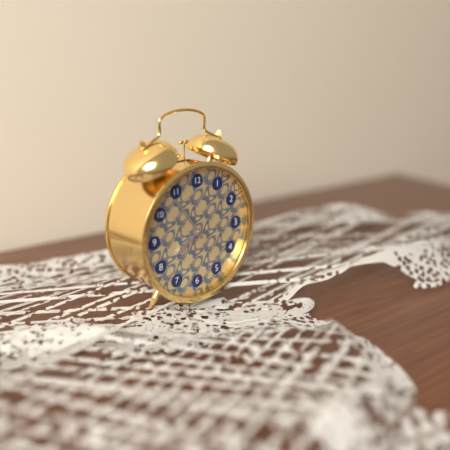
7:54
